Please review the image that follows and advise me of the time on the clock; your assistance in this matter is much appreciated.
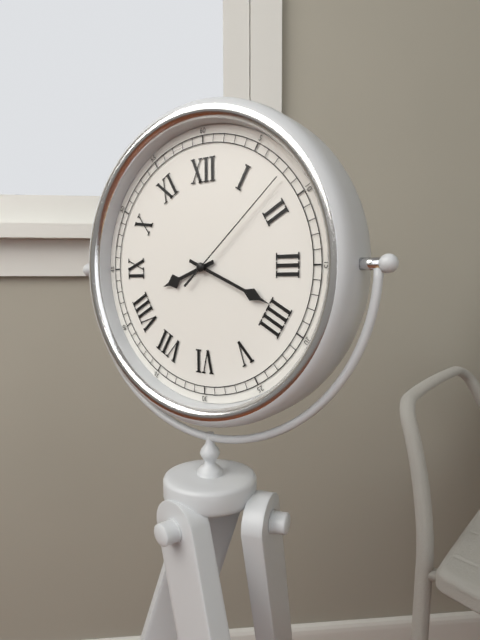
8:19:08
